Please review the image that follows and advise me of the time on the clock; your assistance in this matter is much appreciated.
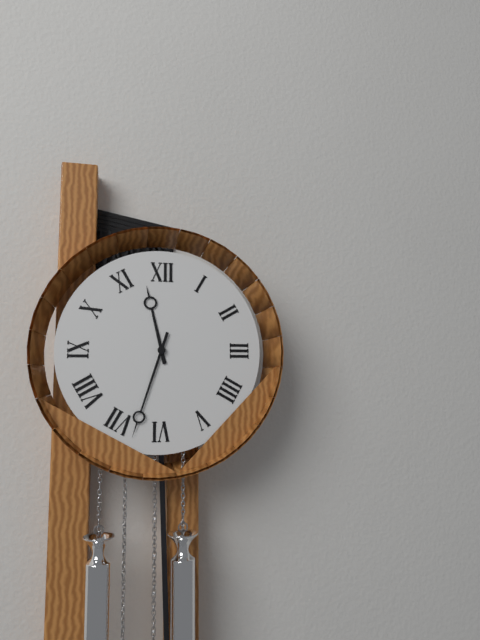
11:33
